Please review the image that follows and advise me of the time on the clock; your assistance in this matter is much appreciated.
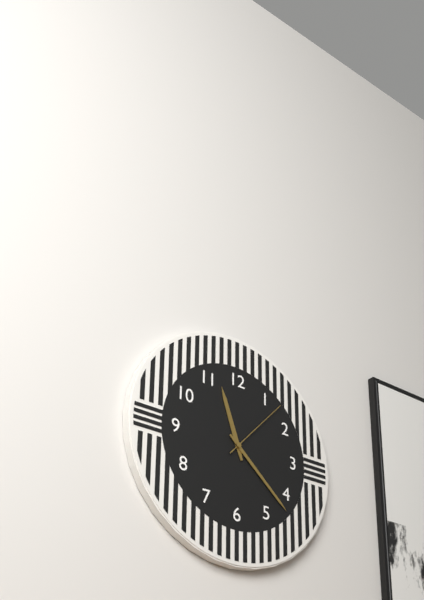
11:22:07
